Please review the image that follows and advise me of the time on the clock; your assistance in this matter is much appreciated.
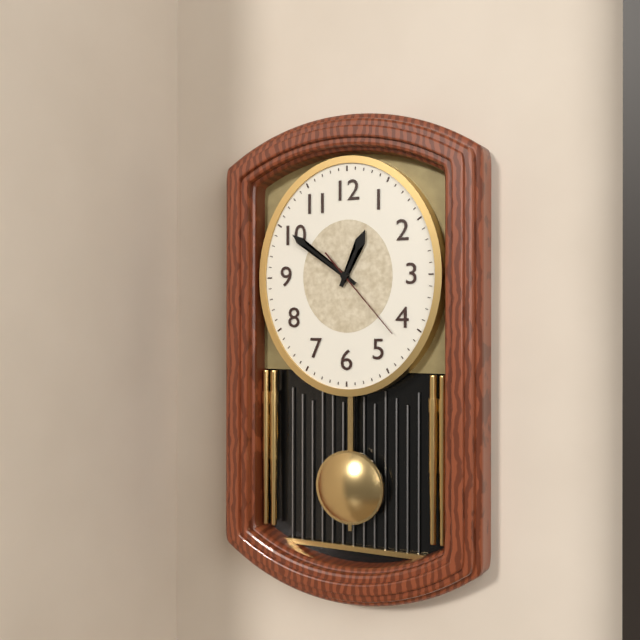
12:51:23
